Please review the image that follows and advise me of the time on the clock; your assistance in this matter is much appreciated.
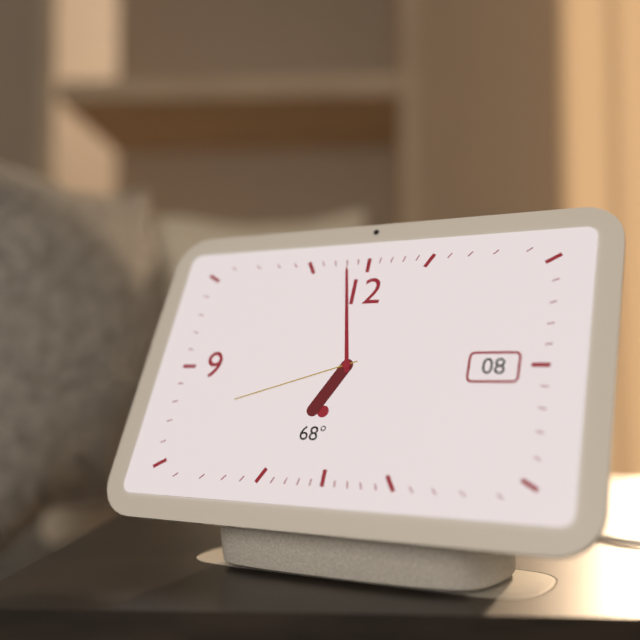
6:58:42
